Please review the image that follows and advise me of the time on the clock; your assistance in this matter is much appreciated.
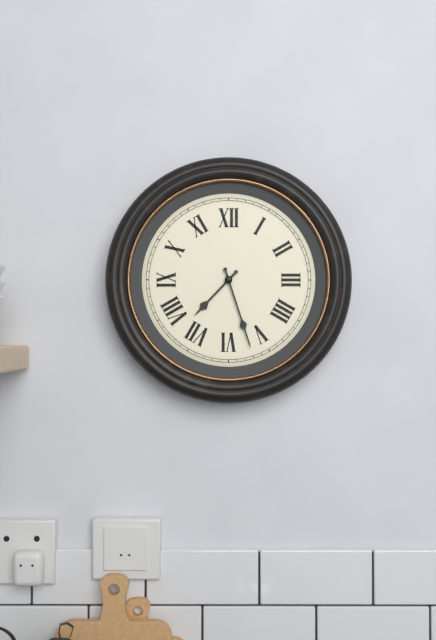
7:27
